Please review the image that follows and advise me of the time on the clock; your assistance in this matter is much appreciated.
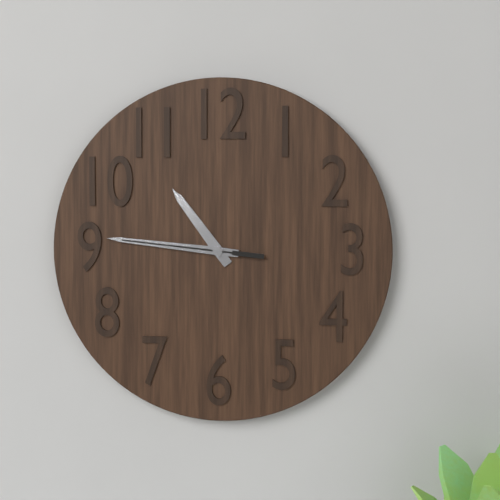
10:46:46
